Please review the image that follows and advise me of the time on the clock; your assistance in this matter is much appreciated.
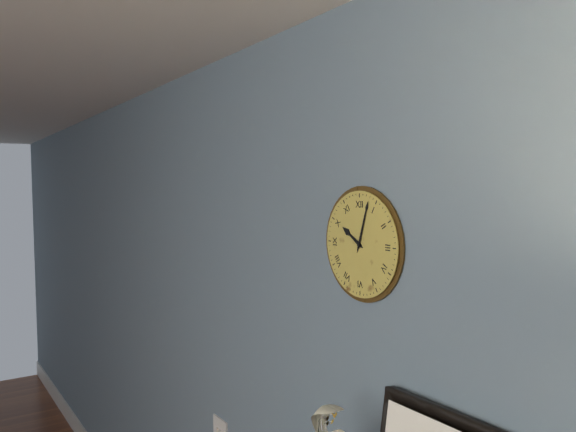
10:03
